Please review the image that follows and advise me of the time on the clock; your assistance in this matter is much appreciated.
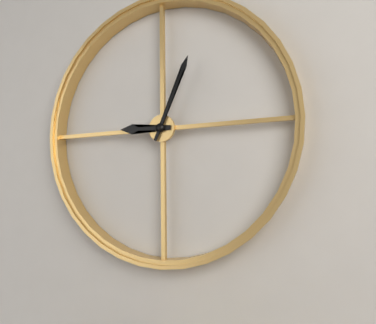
9:04
